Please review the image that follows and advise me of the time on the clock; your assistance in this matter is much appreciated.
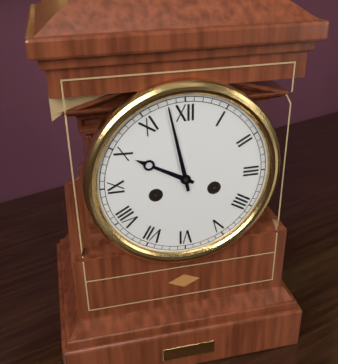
9:58
